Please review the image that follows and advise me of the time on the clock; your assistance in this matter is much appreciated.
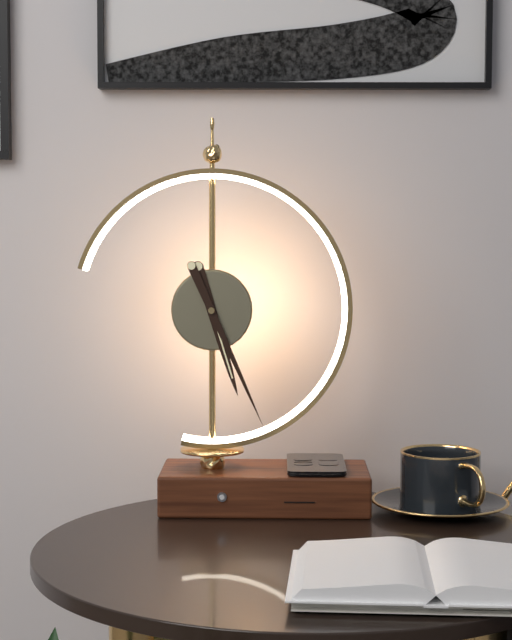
5:26
